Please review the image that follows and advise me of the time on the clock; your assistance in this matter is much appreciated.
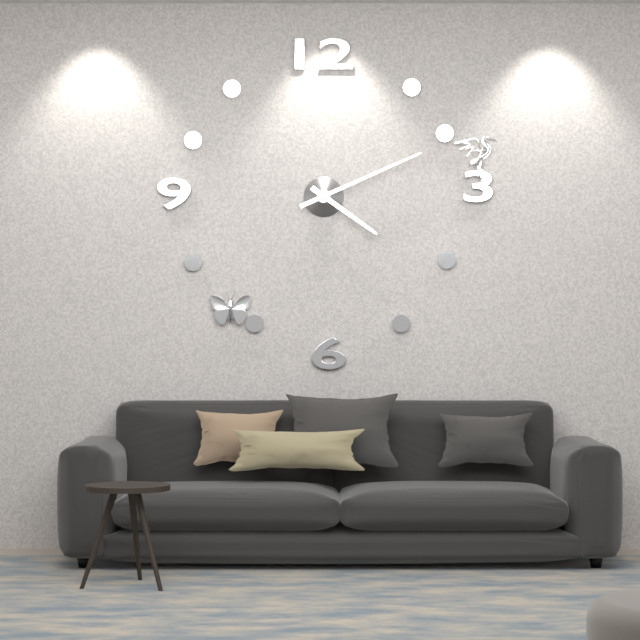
4:11
